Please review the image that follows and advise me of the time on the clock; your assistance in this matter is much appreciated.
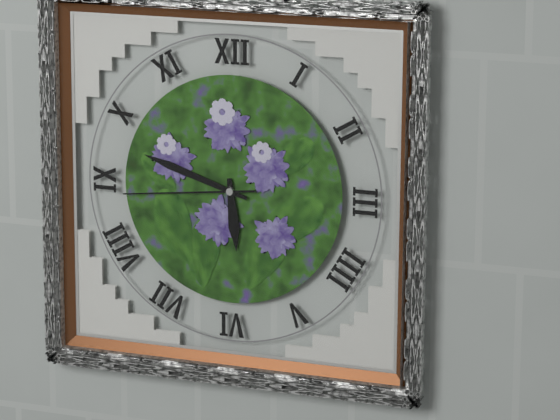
5:48:44
